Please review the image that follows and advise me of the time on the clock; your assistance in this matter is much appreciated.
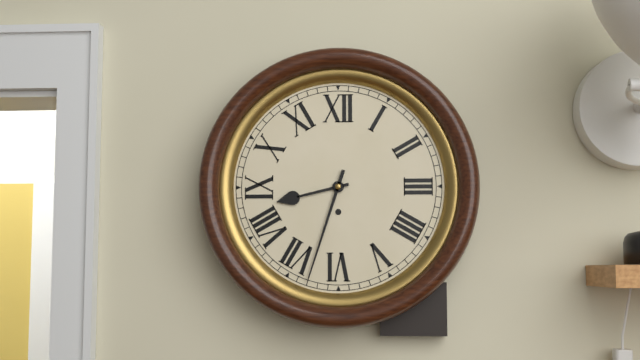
8:33
